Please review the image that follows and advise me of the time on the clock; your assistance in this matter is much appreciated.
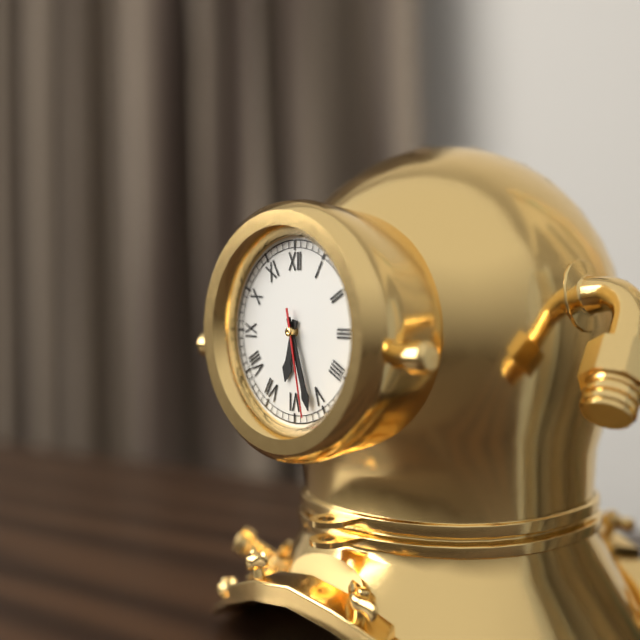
6:27:28
